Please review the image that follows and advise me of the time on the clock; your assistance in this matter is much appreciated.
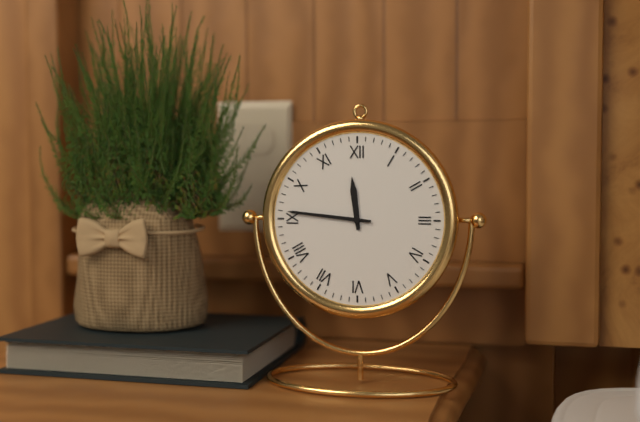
11:46
